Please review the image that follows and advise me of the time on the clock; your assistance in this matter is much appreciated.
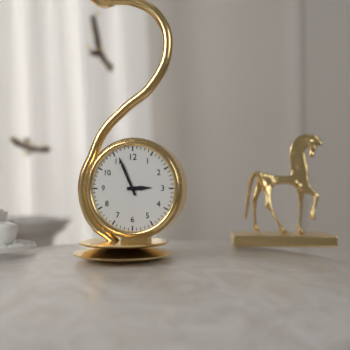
2:56
